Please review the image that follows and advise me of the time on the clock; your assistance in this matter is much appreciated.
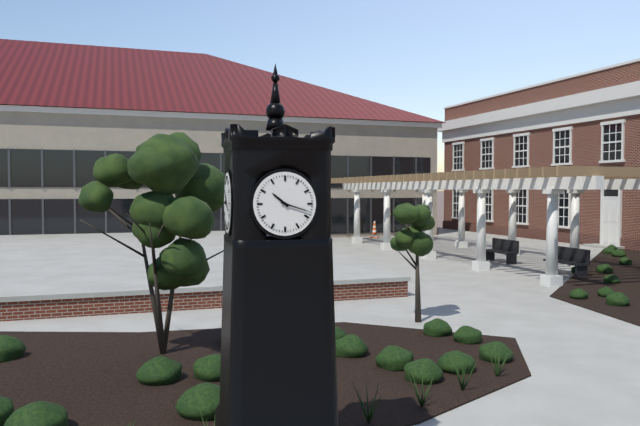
10:18
